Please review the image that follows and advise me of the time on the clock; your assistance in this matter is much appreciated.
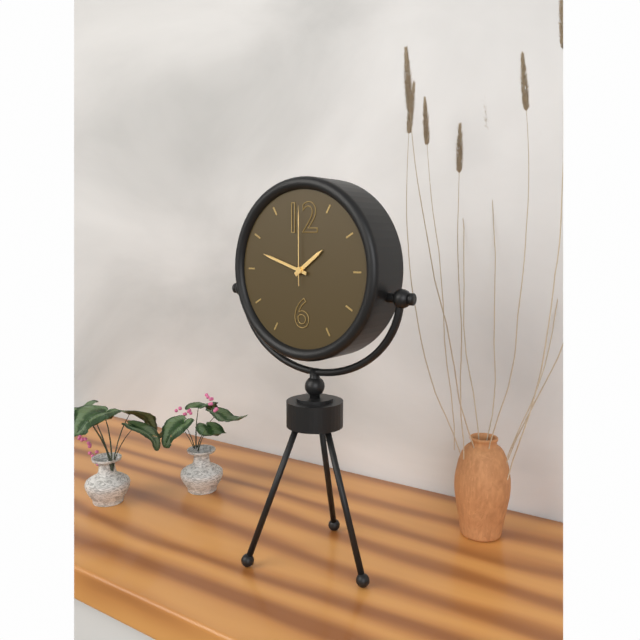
1:48:00
